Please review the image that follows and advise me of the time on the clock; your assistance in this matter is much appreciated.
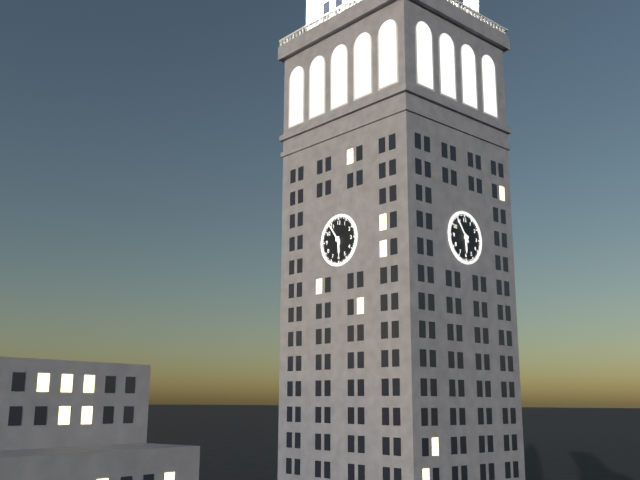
5:54
